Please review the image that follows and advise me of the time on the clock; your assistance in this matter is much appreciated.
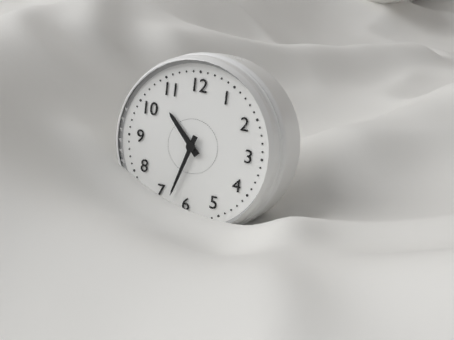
10:33
